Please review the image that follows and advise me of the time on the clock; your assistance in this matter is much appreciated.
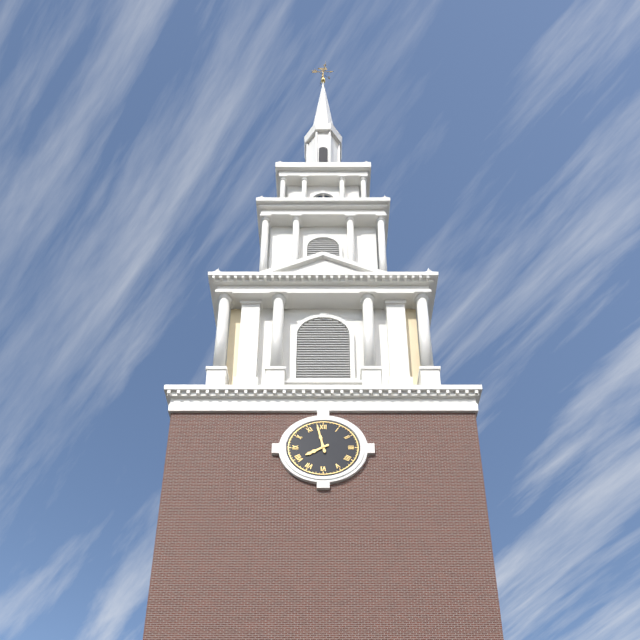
7:58
